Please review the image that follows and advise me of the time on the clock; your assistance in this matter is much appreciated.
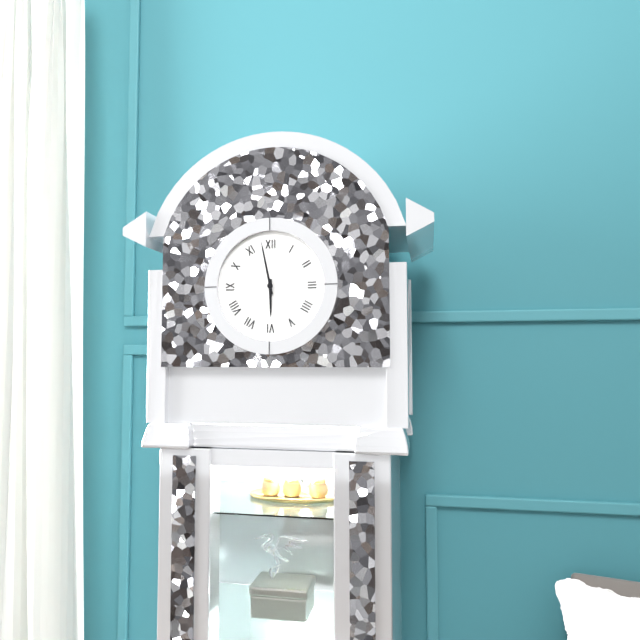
5:58
